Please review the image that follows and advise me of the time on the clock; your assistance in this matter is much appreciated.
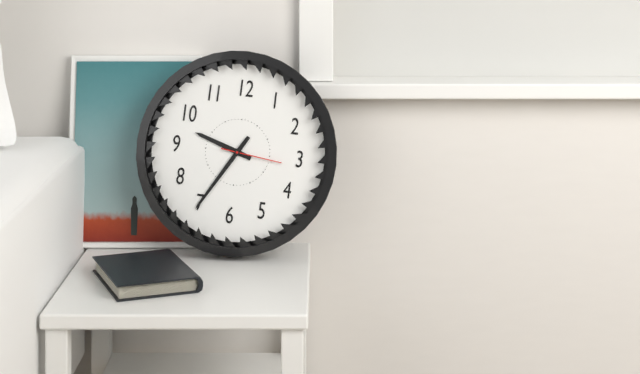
9:35:16
